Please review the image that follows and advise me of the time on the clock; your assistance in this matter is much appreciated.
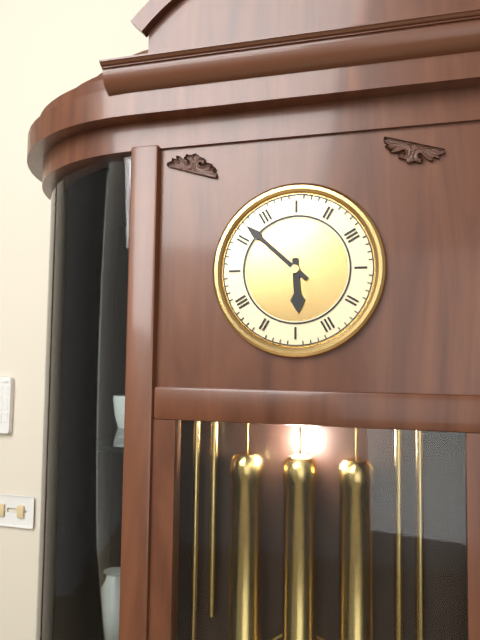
5:52
